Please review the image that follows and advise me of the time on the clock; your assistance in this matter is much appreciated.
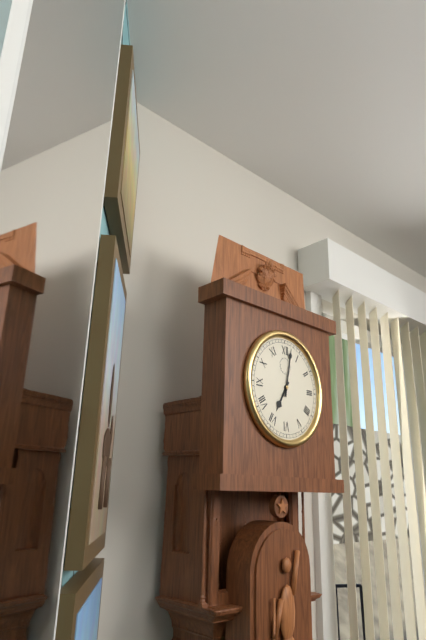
7:02
